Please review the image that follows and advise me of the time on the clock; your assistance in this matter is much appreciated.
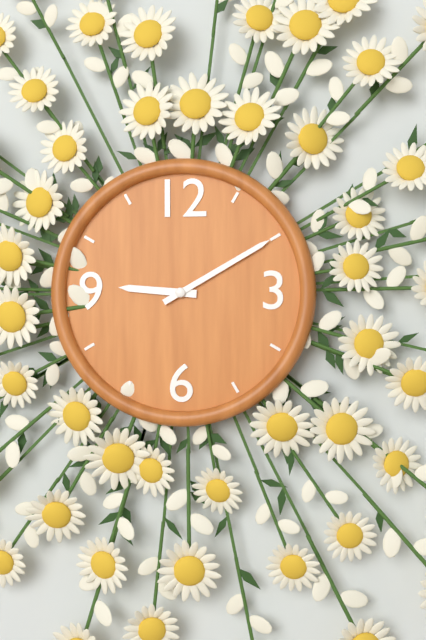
9:10
